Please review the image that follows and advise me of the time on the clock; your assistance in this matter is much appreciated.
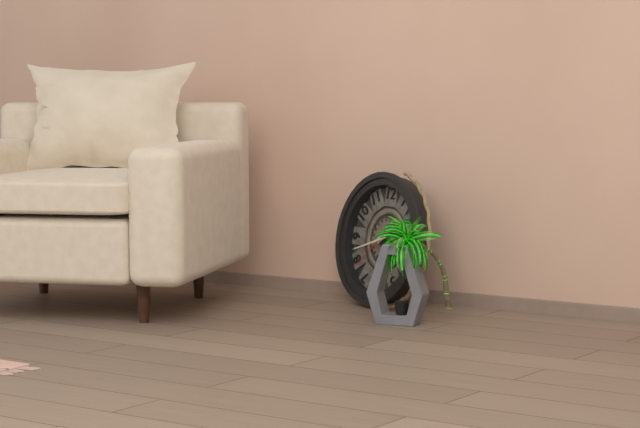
1:42
